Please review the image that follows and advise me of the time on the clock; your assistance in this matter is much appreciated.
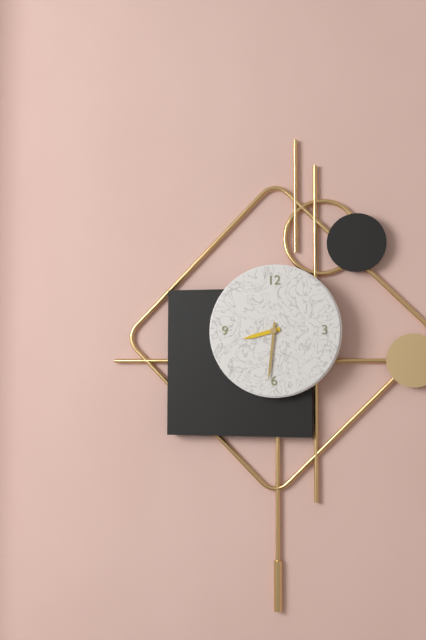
8:31
